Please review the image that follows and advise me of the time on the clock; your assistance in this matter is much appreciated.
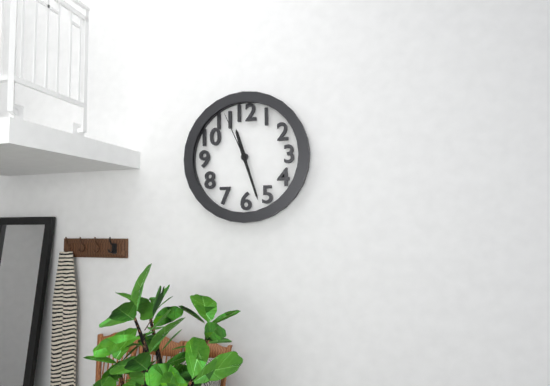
11:27:56
